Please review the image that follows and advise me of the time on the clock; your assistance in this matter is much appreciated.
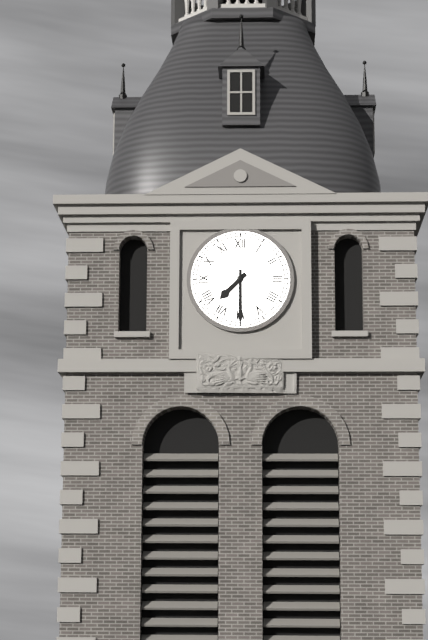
7:30
